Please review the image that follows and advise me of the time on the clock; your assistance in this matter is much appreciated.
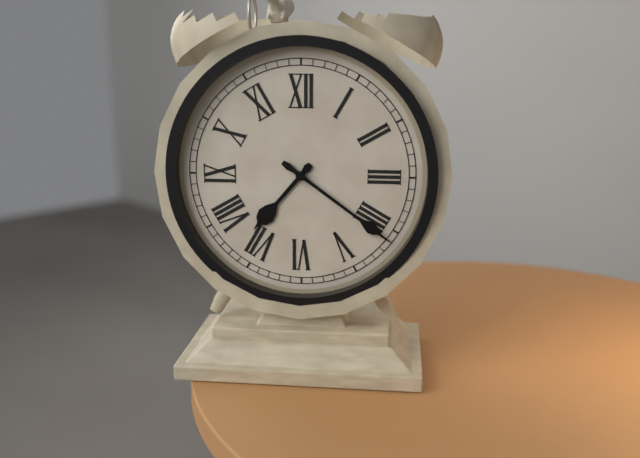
7:21
